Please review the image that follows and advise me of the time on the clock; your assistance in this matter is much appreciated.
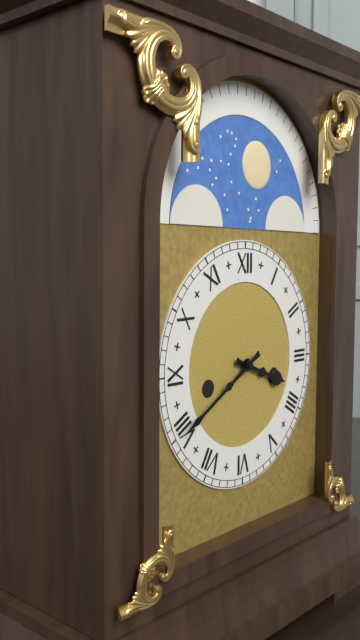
3:40
